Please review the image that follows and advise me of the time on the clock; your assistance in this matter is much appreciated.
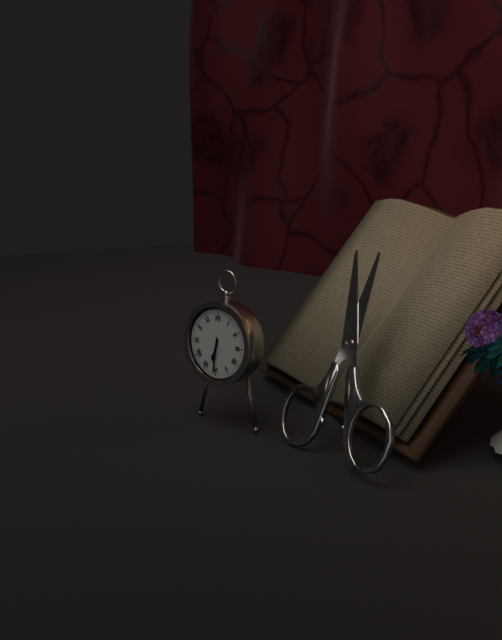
6:31
